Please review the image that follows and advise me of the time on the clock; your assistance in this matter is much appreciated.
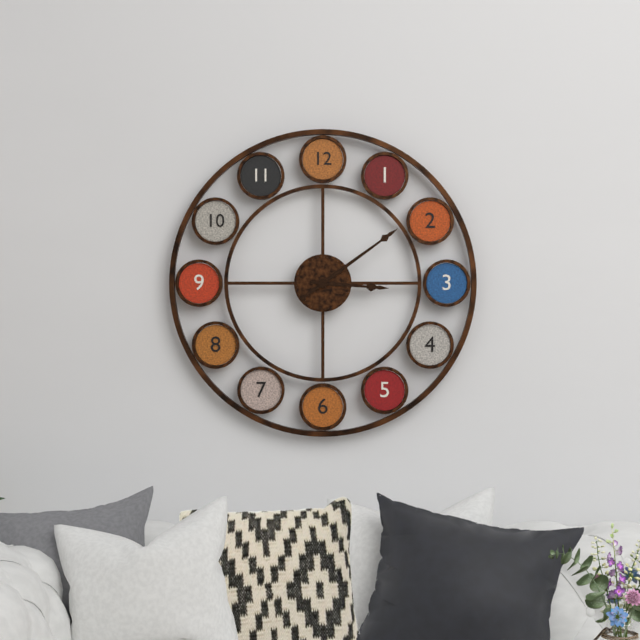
3:09
